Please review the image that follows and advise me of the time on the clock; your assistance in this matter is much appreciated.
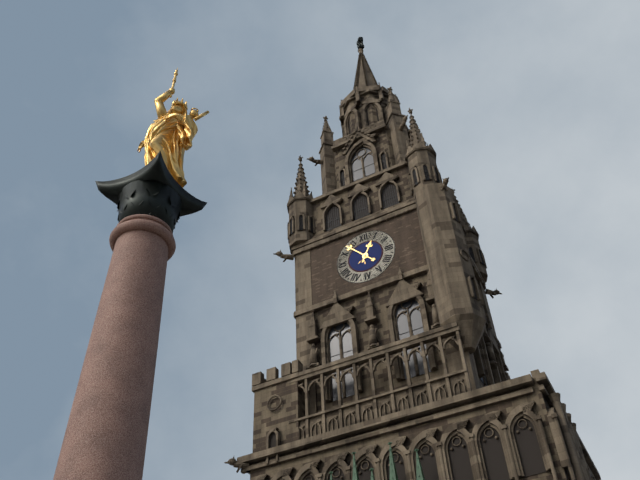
12:53
